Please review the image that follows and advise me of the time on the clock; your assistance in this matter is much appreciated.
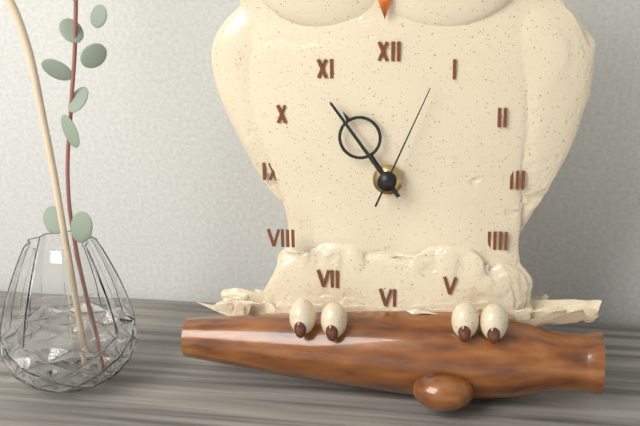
10:54:04
